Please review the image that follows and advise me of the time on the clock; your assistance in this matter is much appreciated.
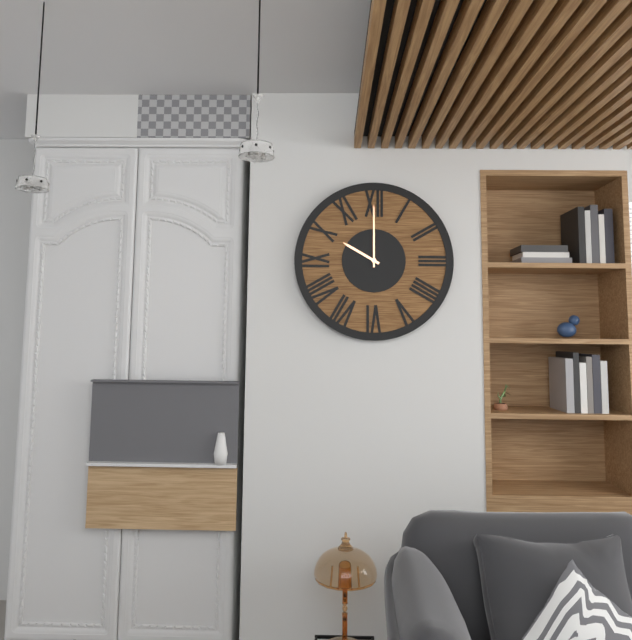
10:00
